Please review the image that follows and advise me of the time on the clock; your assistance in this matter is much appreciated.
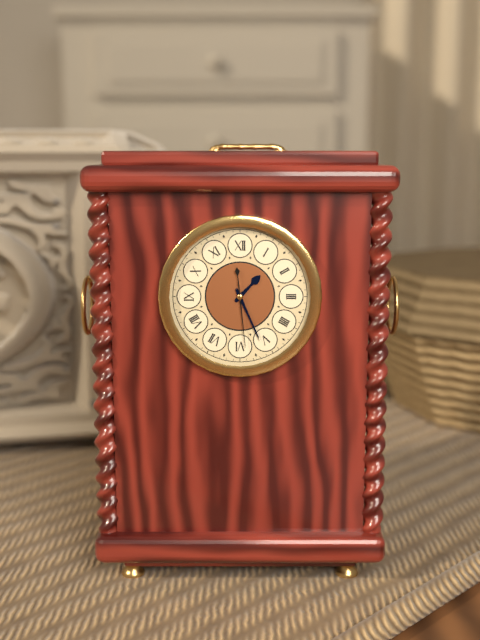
1:26:29
